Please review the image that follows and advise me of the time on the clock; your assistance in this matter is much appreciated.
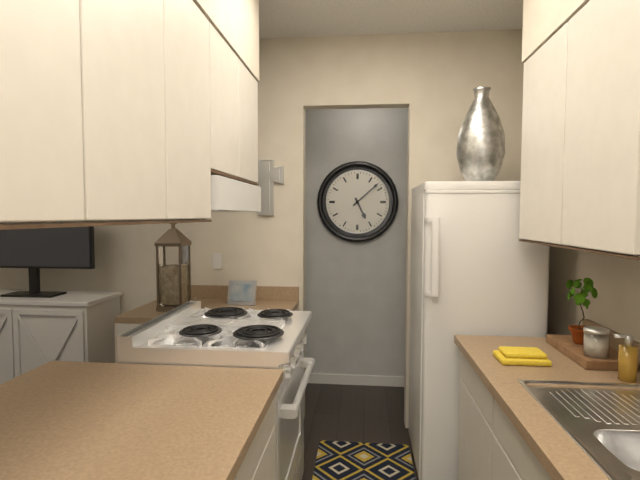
5:08
